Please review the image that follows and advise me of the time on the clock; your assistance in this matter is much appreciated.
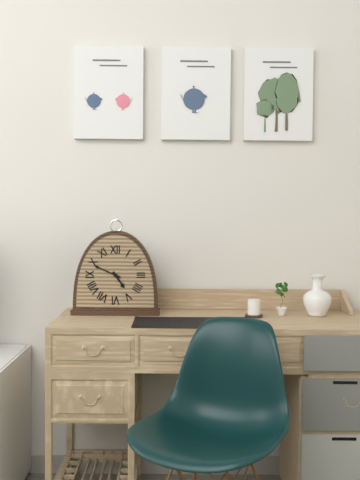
4:49
